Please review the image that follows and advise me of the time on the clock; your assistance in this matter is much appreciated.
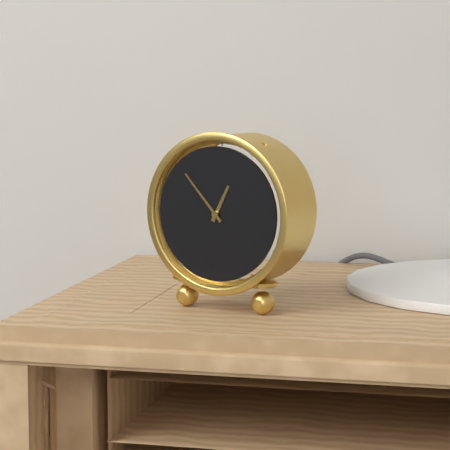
12:53
